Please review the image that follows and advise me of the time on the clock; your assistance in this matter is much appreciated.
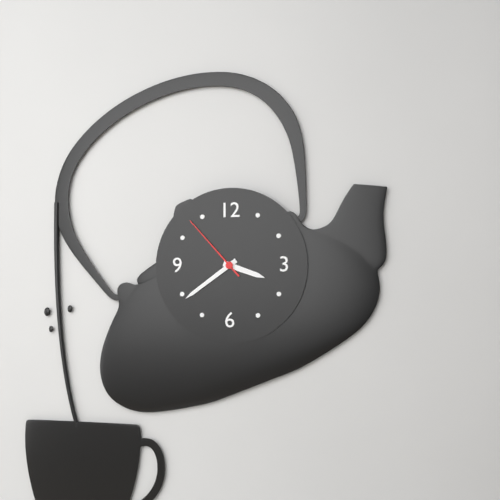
3:39:53
